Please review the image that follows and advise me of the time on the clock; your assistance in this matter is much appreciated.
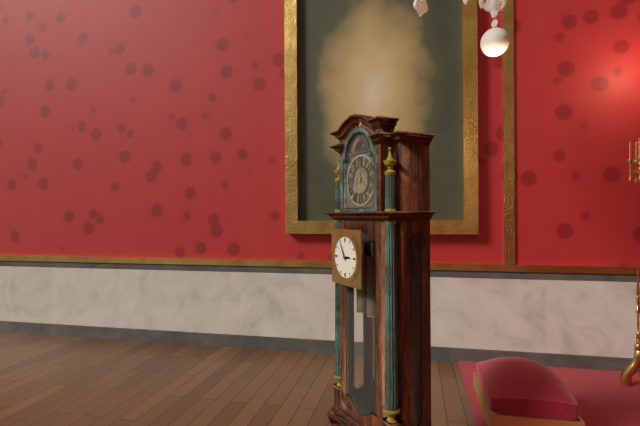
2:55
